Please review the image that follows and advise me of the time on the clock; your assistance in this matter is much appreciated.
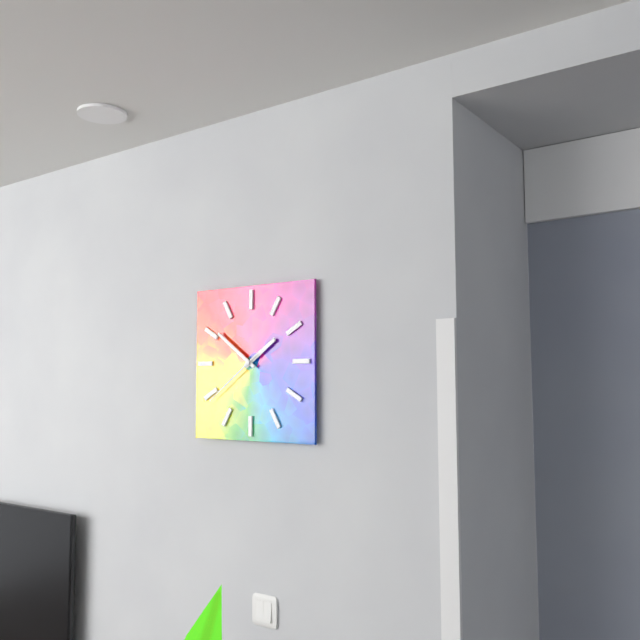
1:51:39
